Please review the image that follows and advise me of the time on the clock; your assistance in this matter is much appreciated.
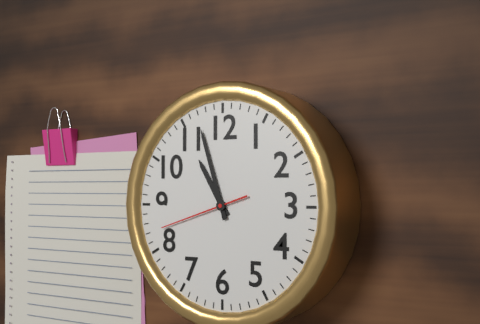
10:57:42
